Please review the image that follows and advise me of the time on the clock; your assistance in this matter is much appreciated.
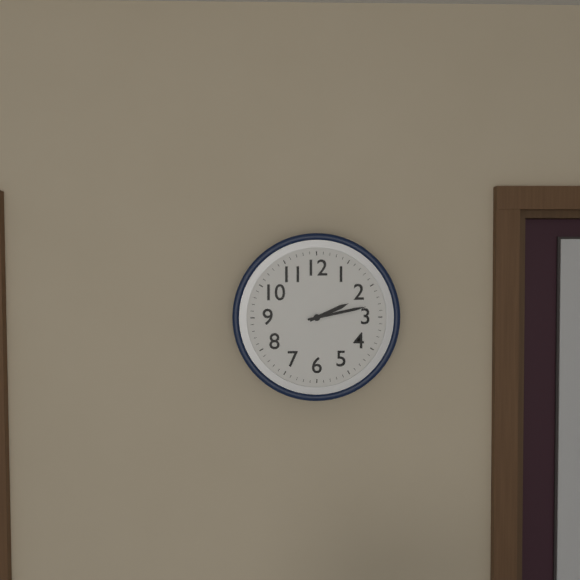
2:13
